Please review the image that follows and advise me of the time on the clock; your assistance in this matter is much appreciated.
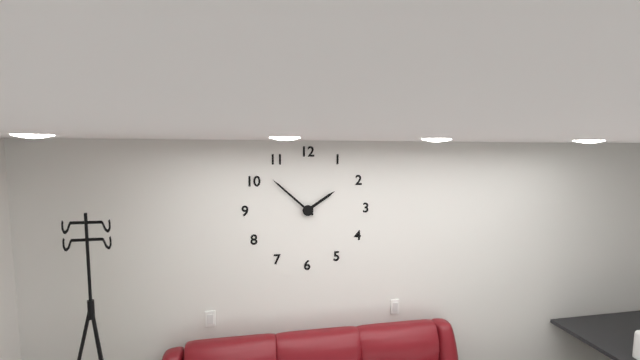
1:52
